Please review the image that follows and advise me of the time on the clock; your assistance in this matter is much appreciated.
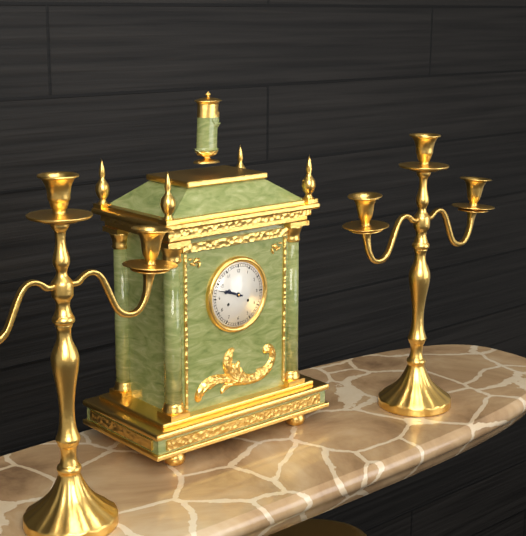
9:48
